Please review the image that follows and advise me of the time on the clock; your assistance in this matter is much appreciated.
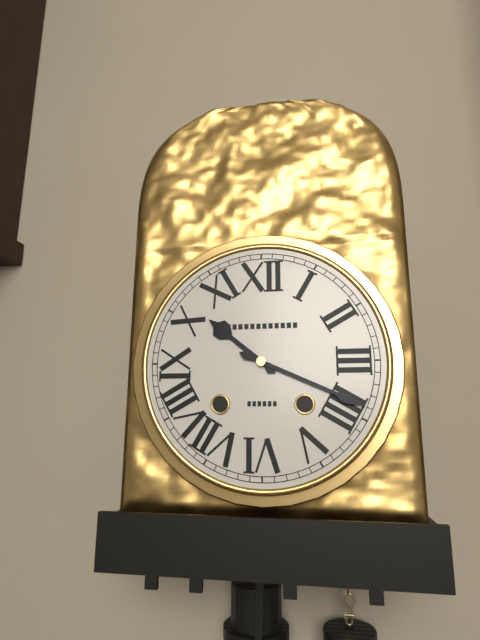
10:19
